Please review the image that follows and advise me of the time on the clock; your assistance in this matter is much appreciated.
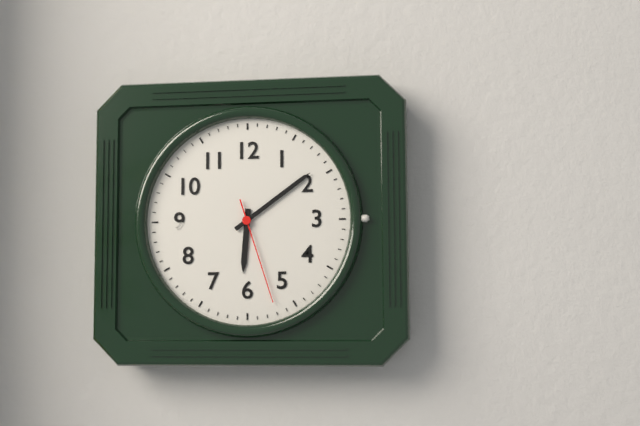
6:09:27
